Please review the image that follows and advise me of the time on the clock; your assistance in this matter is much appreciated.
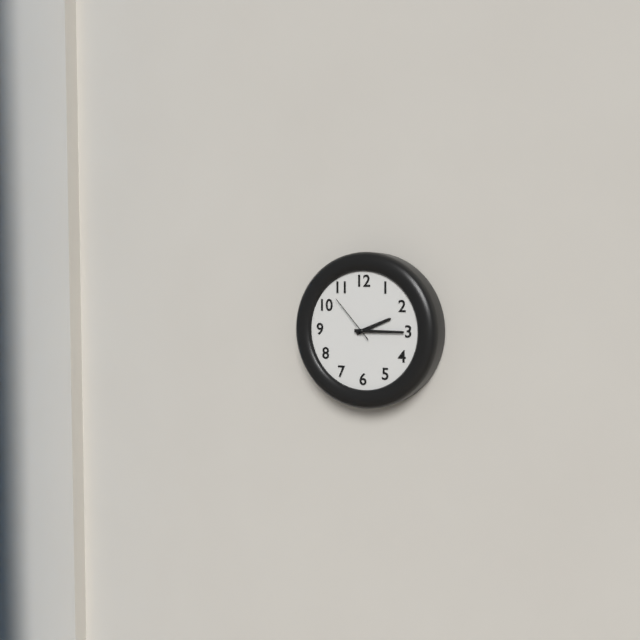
2:15:53
